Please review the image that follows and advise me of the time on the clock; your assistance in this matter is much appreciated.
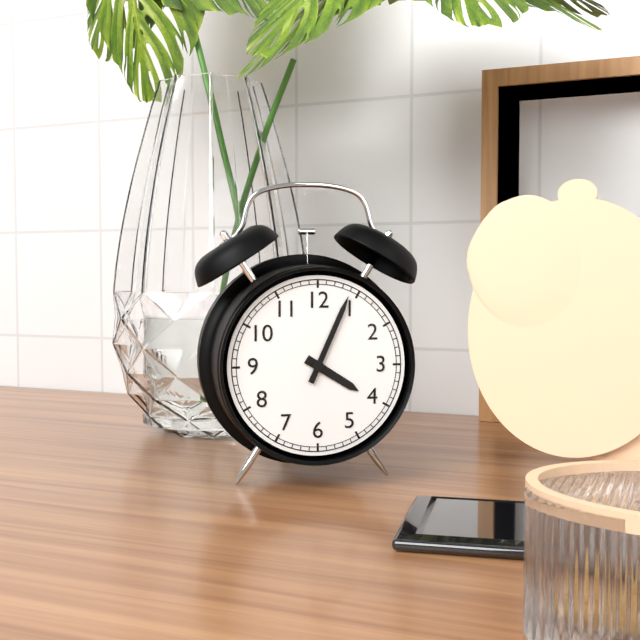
4:04
